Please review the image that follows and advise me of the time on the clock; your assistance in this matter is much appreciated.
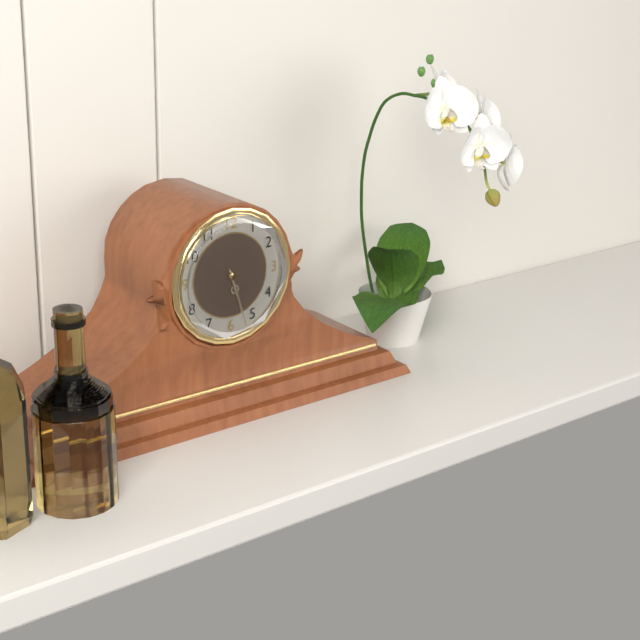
5:27
